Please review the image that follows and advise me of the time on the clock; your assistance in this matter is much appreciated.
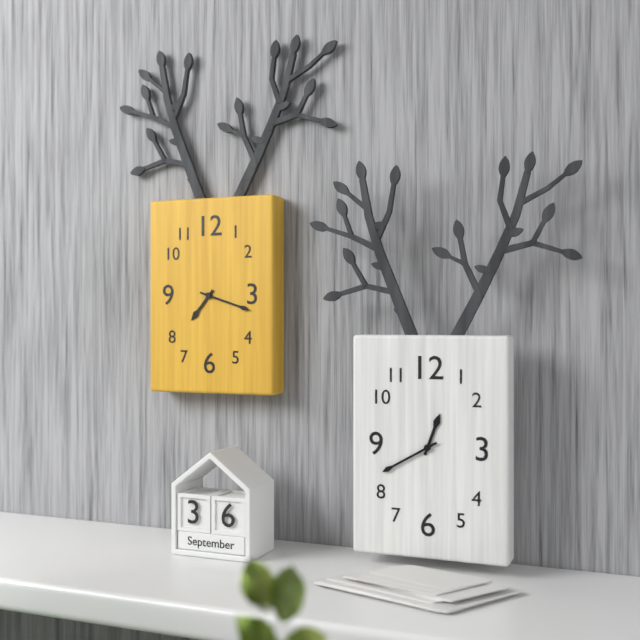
7:18
